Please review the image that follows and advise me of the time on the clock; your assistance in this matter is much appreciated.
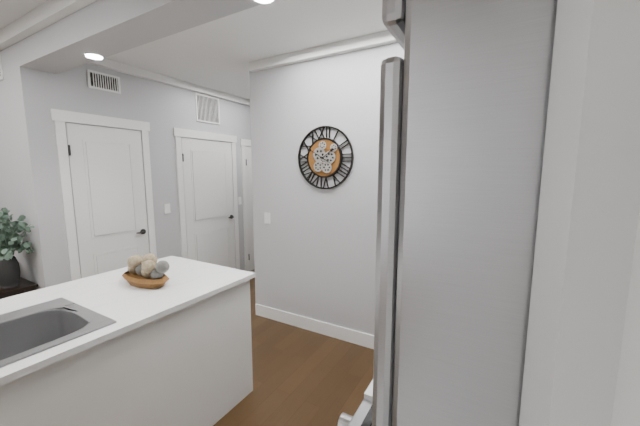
1:50
